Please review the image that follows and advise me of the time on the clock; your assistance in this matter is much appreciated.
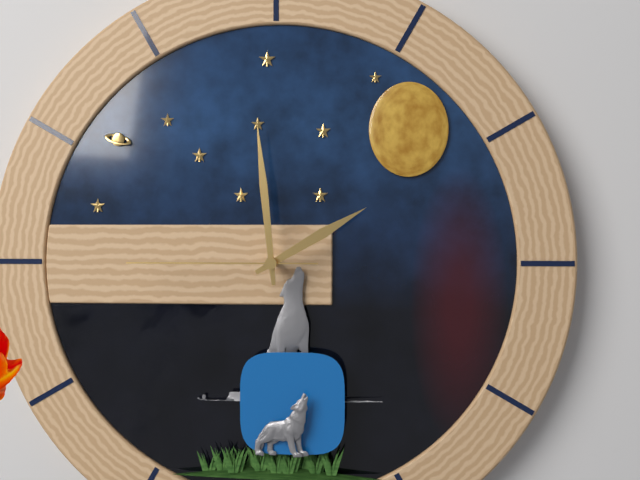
1:59:45
